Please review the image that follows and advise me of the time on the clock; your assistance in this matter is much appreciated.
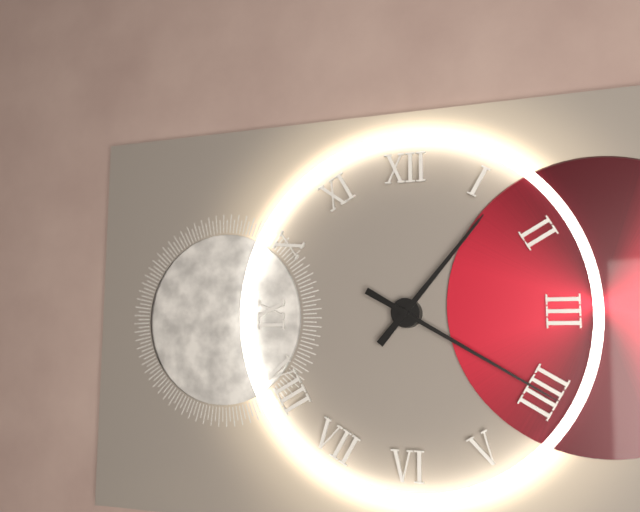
1:20
